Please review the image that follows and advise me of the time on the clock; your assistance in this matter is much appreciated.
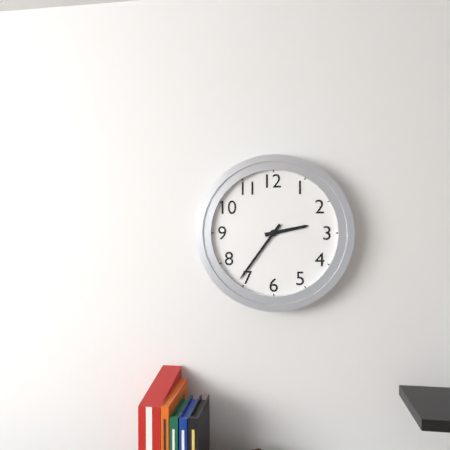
2:36
